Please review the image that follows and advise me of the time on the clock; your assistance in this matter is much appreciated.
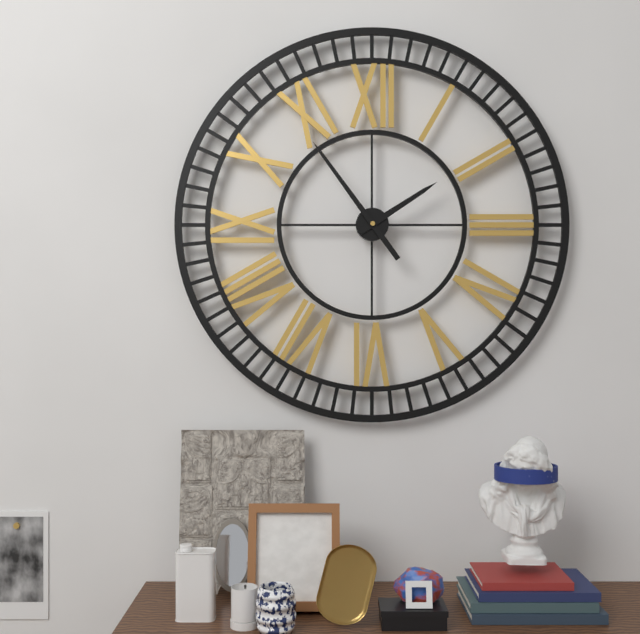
1:54
